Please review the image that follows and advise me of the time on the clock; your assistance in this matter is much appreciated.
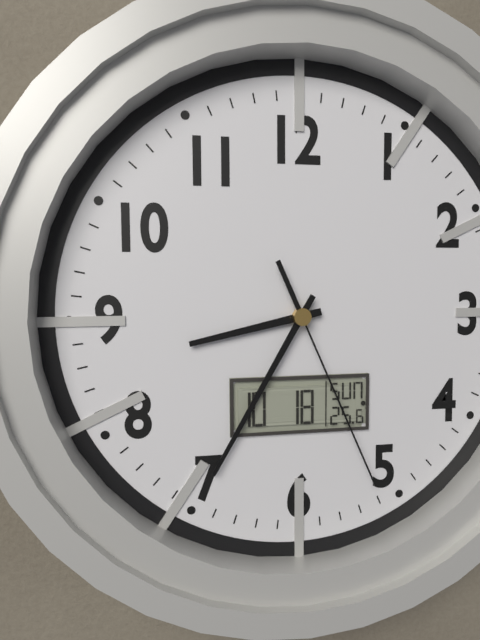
8:35:26
